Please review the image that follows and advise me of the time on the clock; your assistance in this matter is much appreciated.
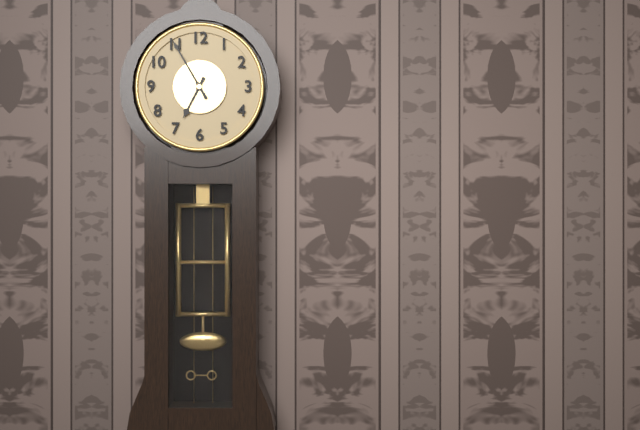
6:55
